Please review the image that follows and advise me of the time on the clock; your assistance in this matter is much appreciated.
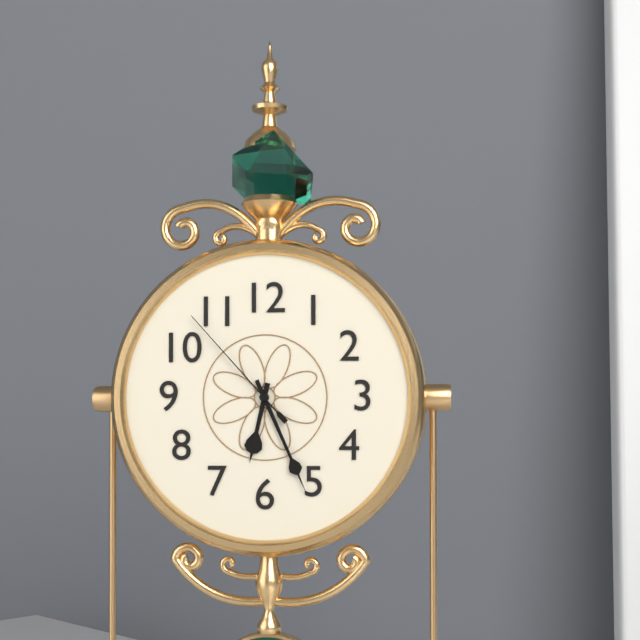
6:26:53
